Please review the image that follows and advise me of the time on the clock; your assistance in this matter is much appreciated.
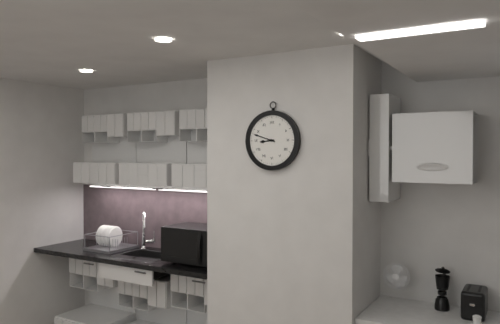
8:48
